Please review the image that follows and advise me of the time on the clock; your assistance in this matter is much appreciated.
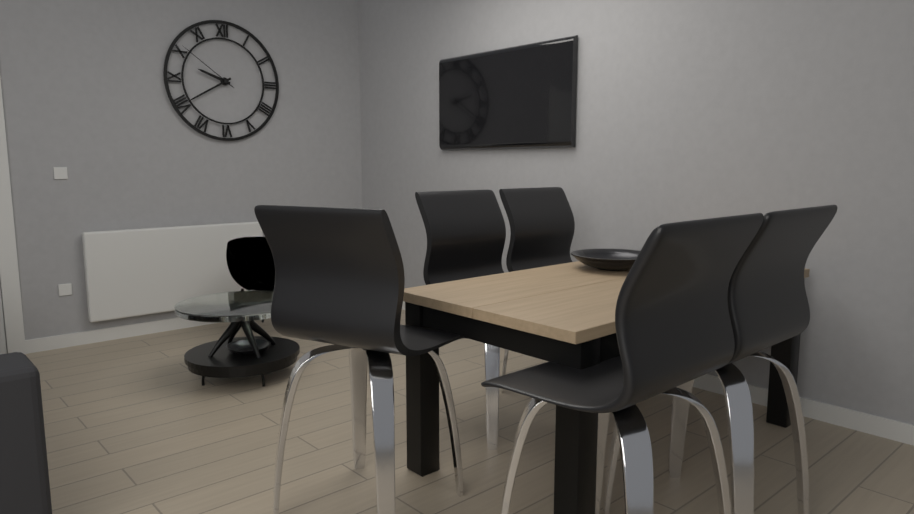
9:40:51
